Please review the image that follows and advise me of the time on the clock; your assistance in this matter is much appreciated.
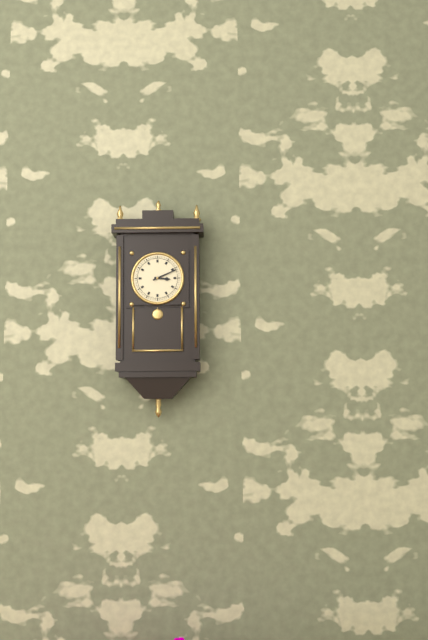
3:11
